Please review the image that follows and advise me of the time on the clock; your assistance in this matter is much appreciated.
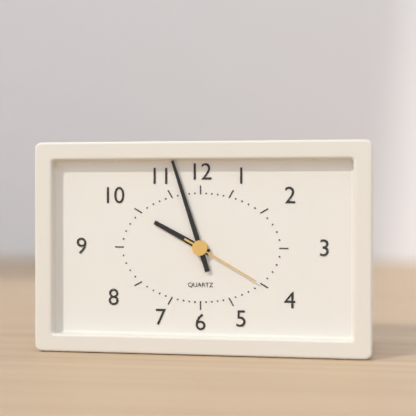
9:57:20
